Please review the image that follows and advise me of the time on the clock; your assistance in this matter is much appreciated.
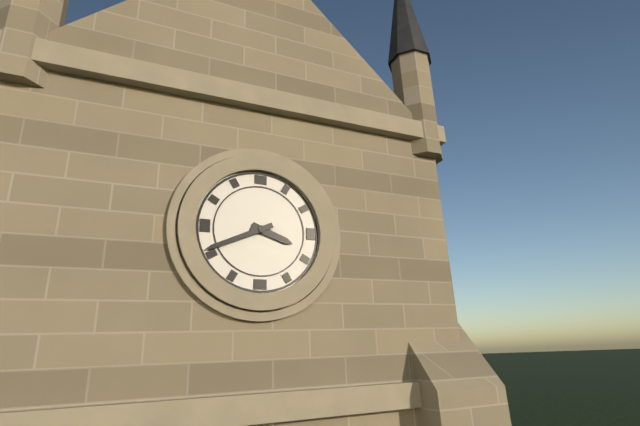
3:41
